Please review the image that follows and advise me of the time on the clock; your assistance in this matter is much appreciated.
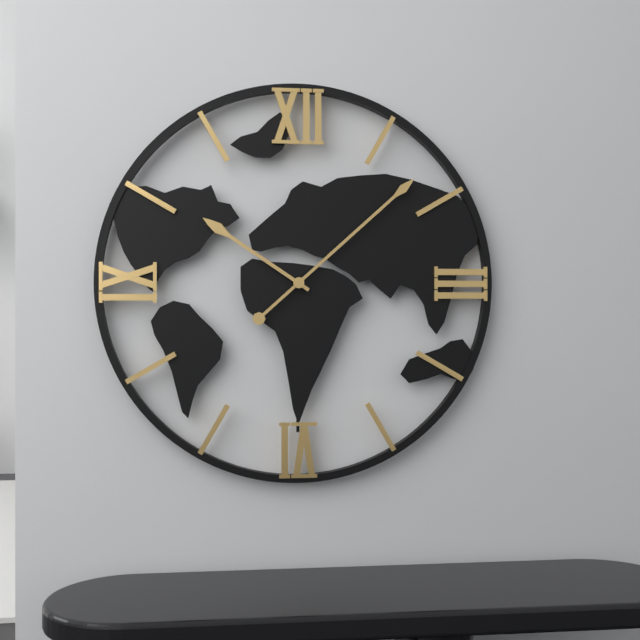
10:08
